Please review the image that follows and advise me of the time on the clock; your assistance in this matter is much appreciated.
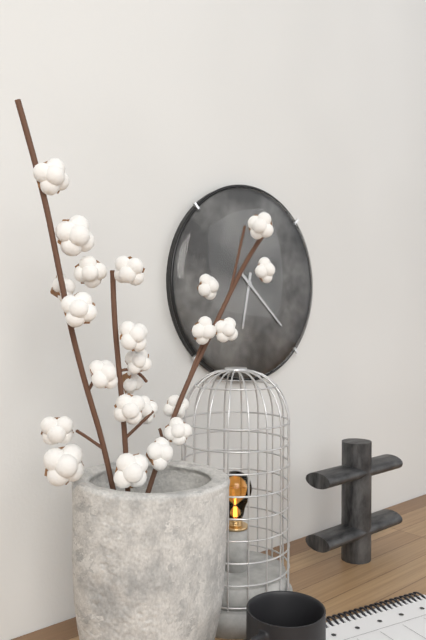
6:22
